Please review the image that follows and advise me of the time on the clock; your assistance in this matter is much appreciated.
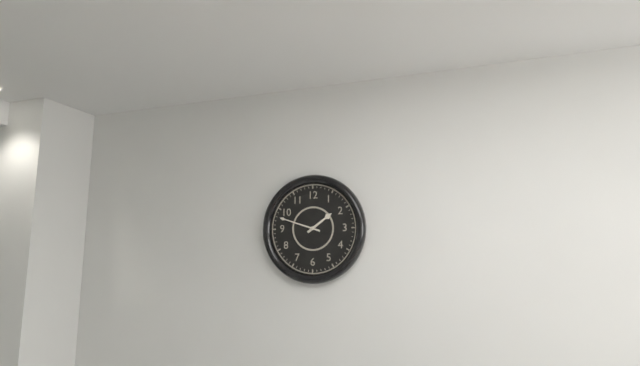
1:48
